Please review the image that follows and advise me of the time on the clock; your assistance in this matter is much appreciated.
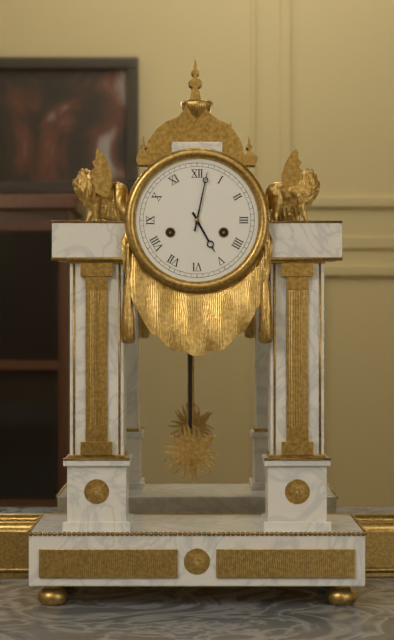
5:02
